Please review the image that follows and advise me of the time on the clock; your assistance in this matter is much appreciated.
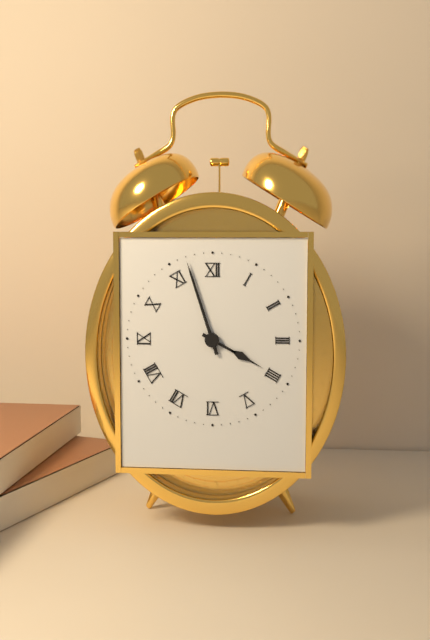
3:57
